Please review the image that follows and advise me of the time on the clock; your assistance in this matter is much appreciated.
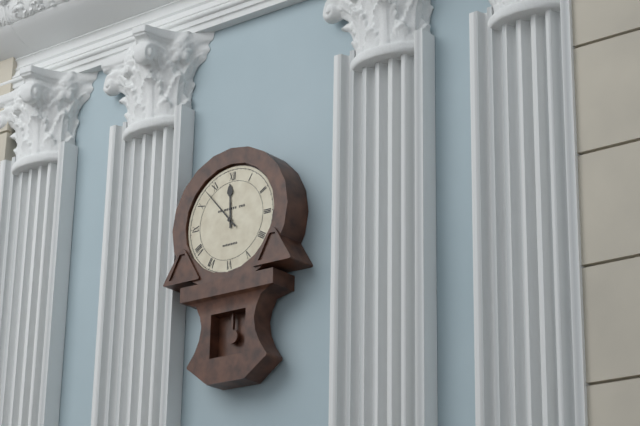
11:53
